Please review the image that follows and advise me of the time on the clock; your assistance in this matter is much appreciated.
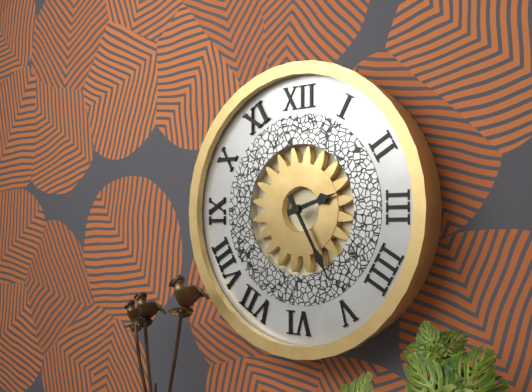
2:25
